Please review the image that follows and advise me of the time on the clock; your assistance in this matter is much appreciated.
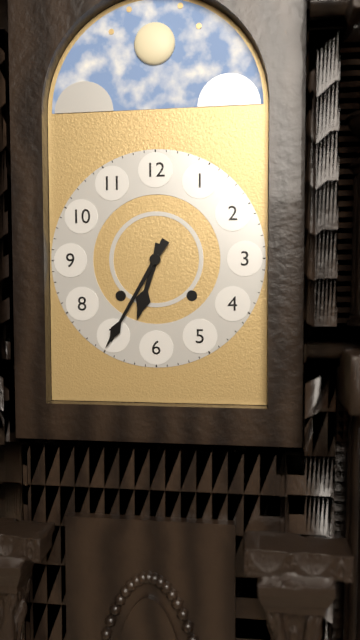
6:35
